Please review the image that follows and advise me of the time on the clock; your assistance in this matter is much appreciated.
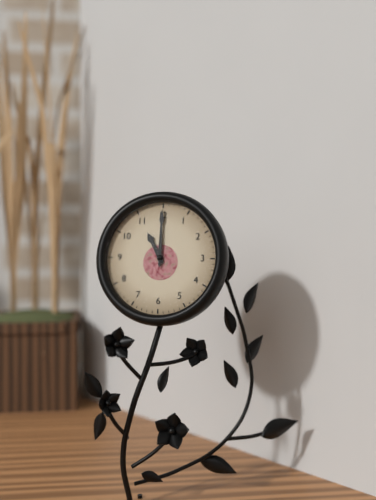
11:00
